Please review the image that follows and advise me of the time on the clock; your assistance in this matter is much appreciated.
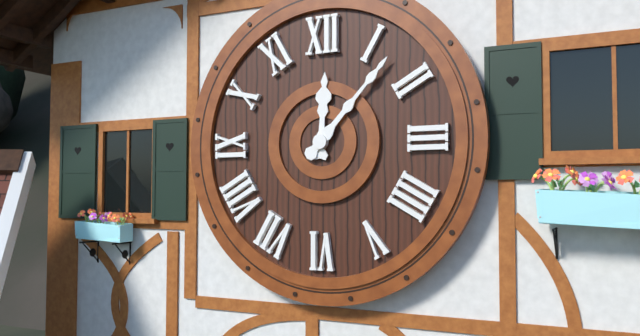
12:07
